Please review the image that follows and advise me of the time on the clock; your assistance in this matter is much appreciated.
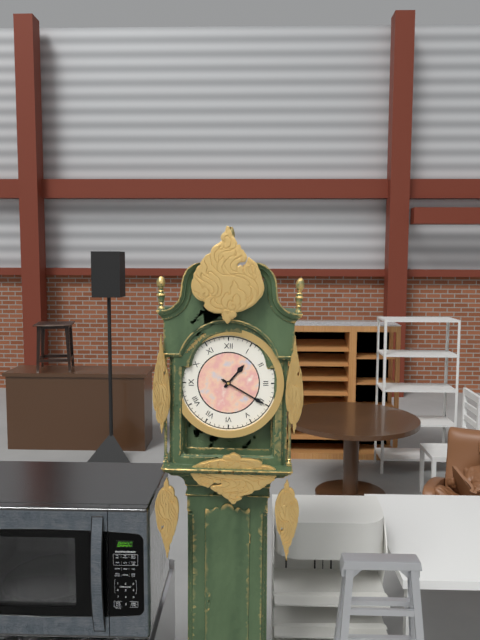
1:20
